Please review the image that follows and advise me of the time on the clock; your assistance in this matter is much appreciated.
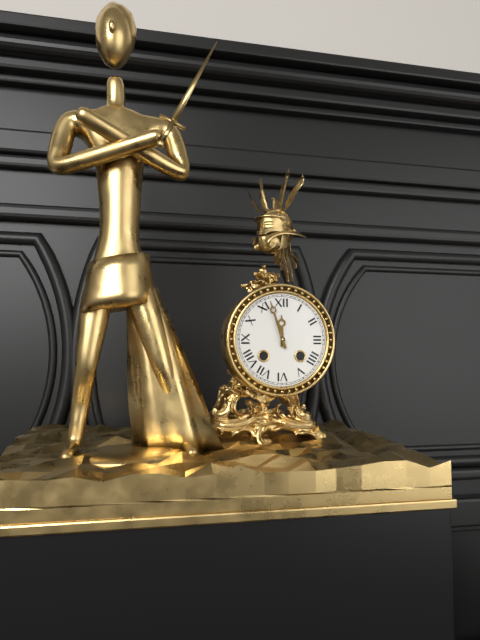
11:57
